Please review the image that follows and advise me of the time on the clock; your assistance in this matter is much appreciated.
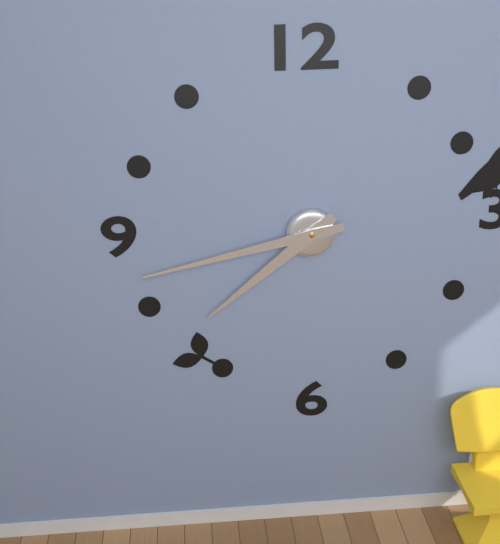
7:43
